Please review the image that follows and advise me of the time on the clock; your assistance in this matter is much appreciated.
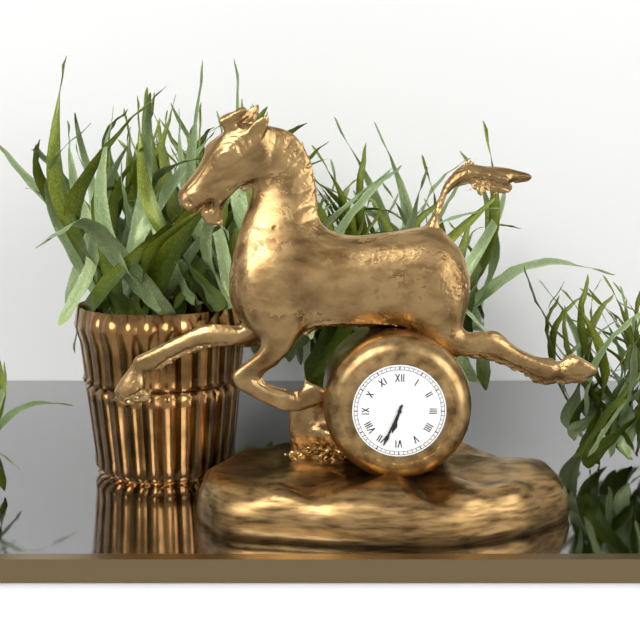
6:34
